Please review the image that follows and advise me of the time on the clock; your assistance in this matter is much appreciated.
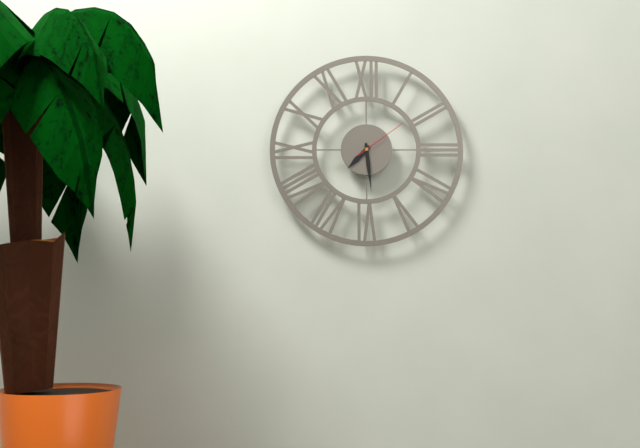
7:29:09
